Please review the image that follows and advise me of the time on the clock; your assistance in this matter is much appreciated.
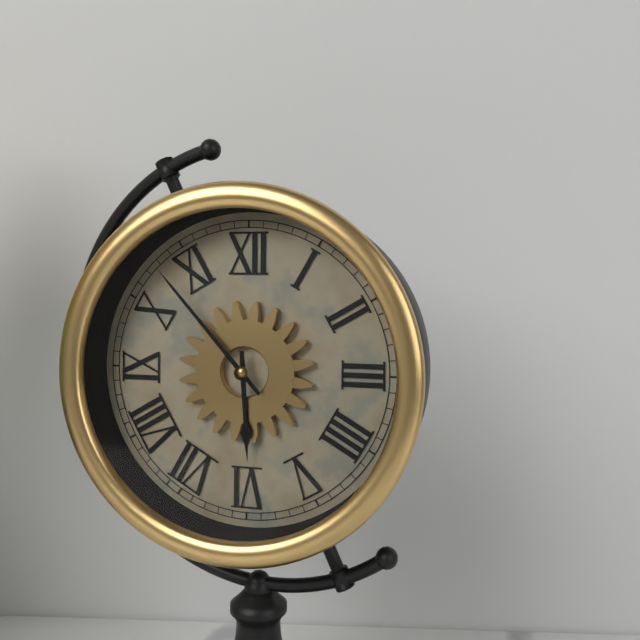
5:53
